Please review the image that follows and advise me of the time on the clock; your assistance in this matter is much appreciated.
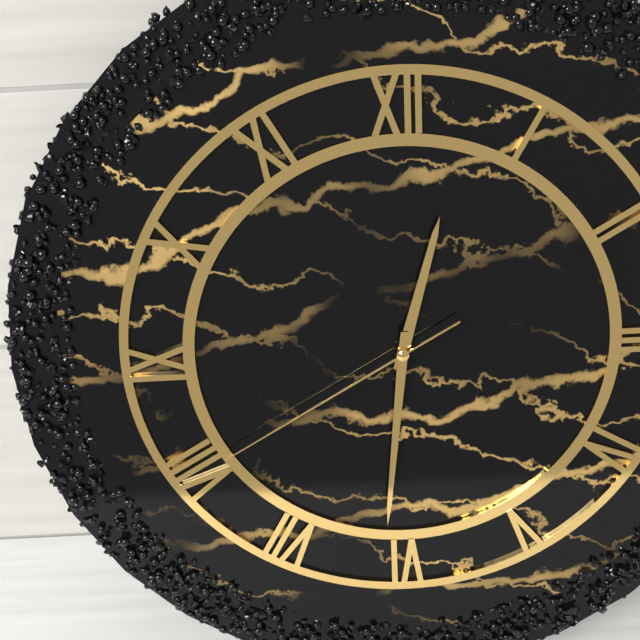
12:31:40
